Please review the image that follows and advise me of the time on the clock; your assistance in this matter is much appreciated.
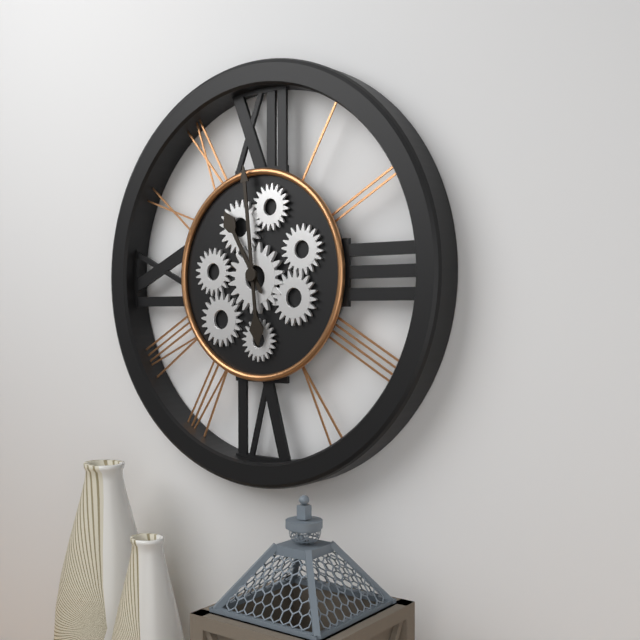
10:59
